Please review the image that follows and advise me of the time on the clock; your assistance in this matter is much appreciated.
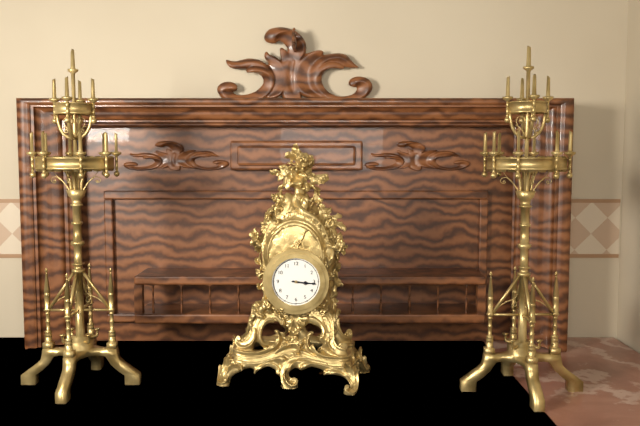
3:16
